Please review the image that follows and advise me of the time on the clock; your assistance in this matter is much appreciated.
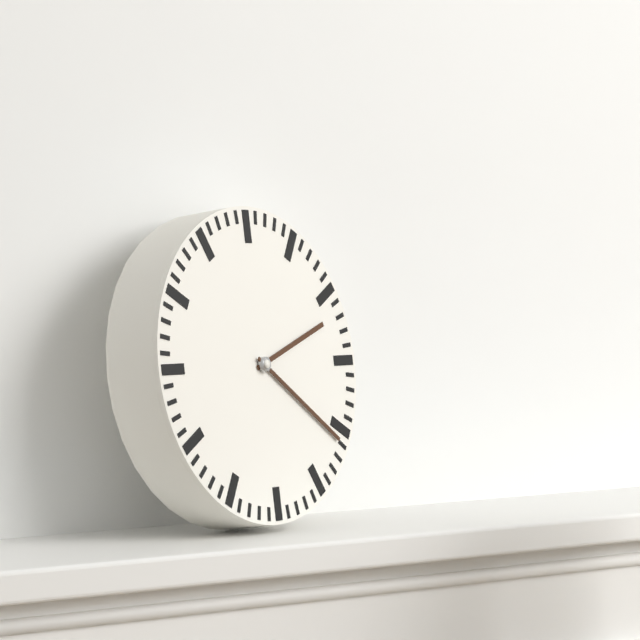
2:21
